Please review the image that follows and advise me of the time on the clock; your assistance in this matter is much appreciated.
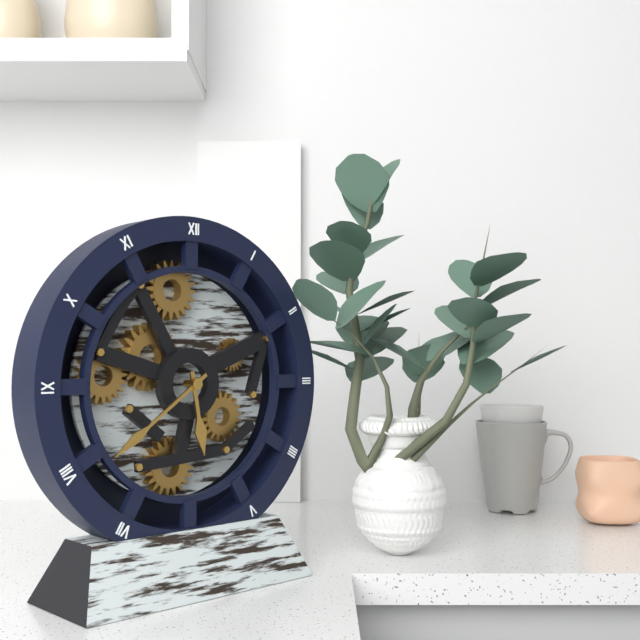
5:39
